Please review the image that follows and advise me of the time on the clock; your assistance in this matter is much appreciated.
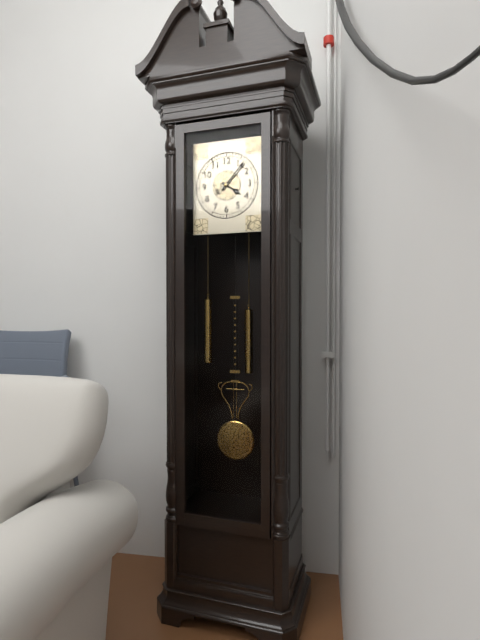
4:07
